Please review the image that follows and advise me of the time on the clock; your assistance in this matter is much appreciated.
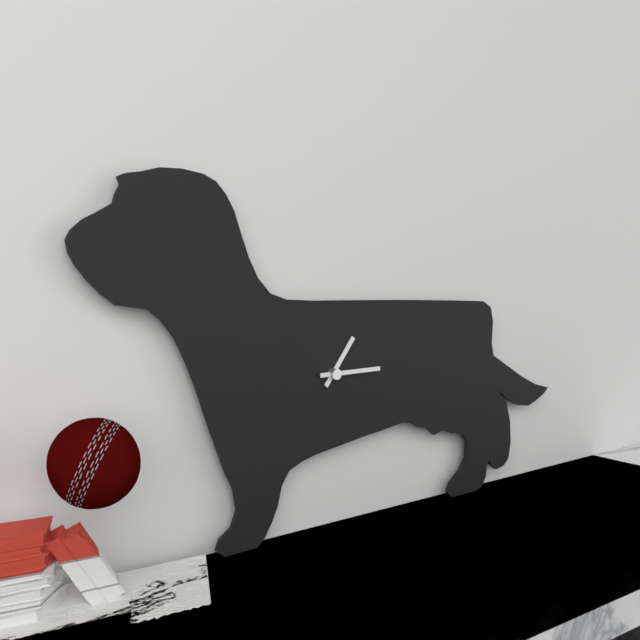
1:15
